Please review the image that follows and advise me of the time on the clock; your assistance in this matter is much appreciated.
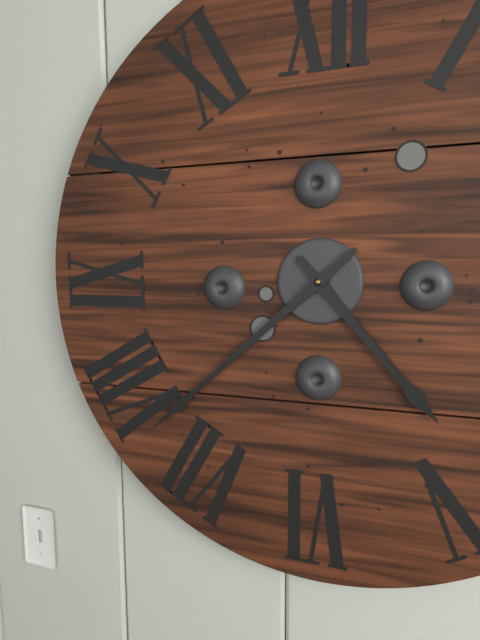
4:38
